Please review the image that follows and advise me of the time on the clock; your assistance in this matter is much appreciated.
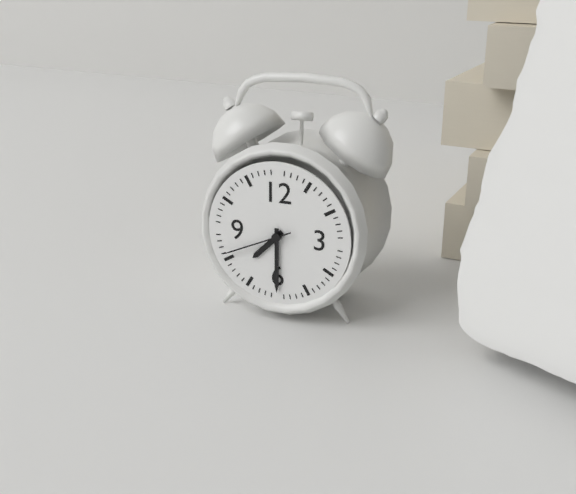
7:30:41
